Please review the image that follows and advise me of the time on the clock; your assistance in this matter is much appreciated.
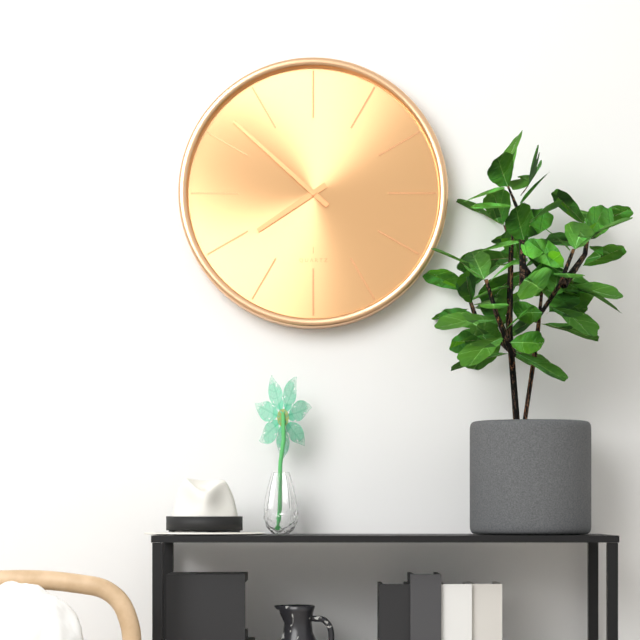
7:52
